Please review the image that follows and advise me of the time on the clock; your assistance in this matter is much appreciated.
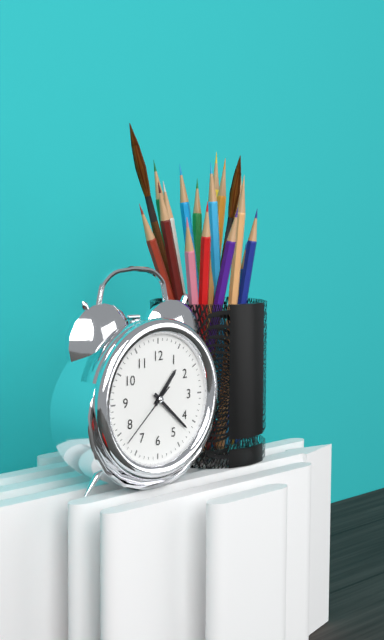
1:22:38
